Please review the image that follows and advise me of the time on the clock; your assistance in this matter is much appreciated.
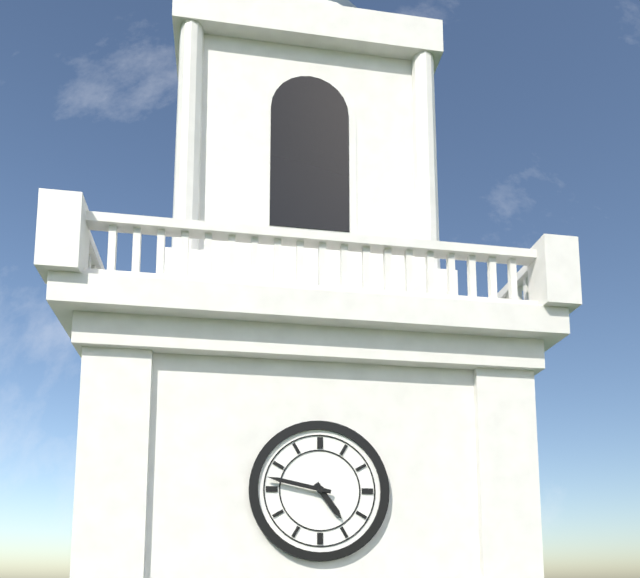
4:47
